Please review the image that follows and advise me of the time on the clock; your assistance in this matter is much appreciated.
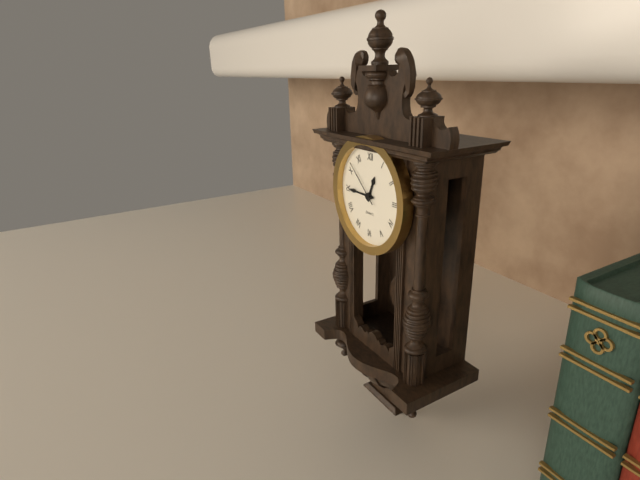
12:45
